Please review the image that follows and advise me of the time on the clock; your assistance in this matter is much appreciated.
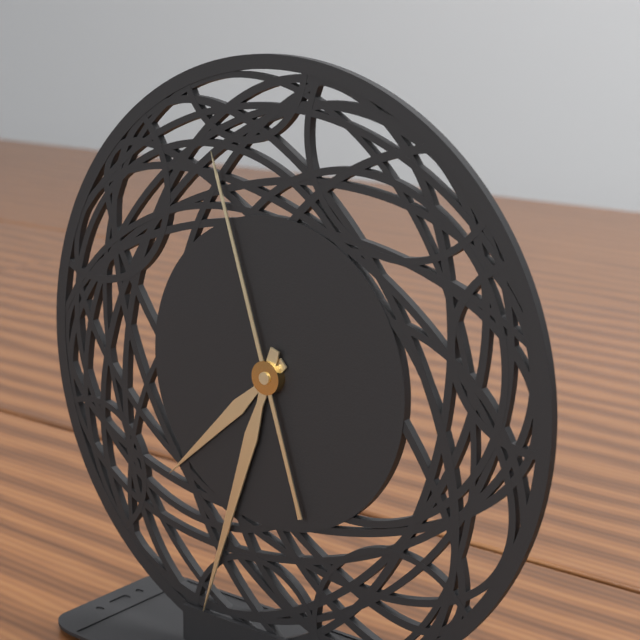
7:33:57
